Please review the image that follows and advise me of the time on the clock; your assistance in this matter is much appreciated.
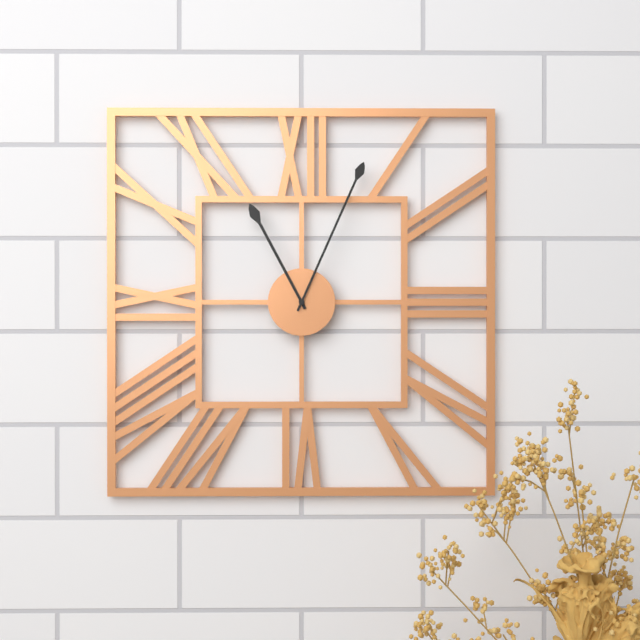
11:04
